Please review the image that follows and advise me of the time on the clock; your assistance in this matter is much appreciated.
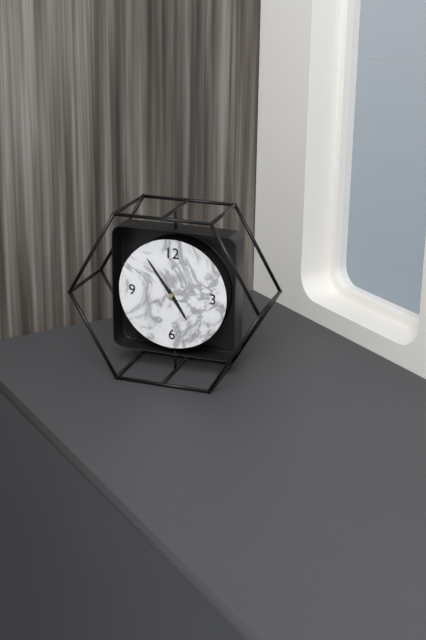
4:54
